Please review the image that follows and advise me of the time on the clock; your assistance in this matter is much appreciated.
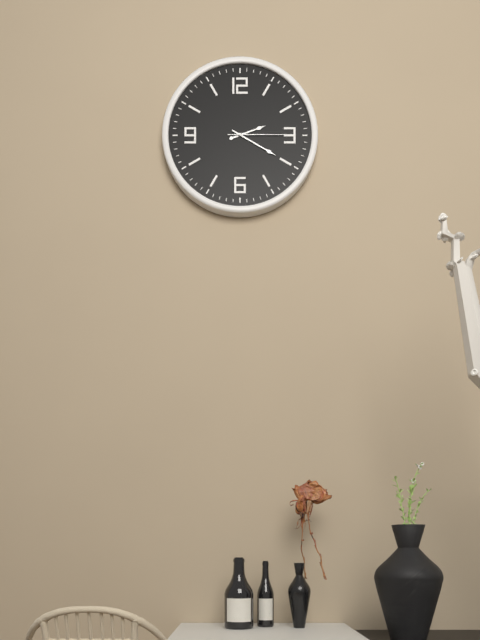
2:20:15
